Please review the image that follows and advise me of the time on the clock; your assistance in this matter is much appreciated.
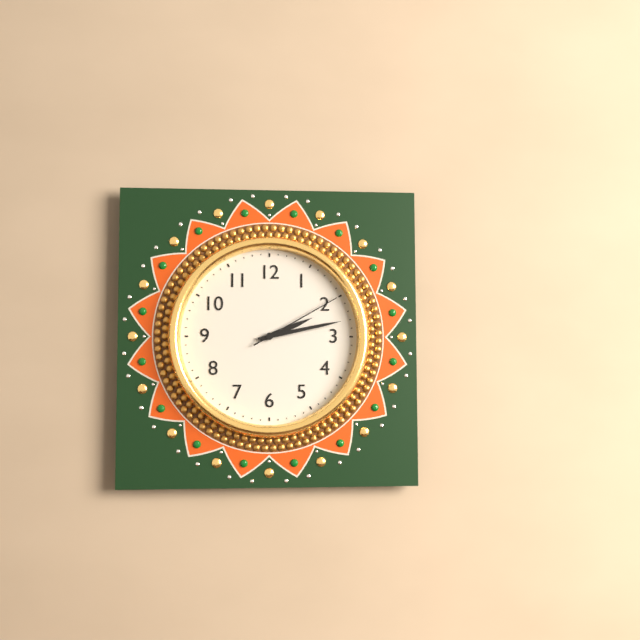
2:13:10
